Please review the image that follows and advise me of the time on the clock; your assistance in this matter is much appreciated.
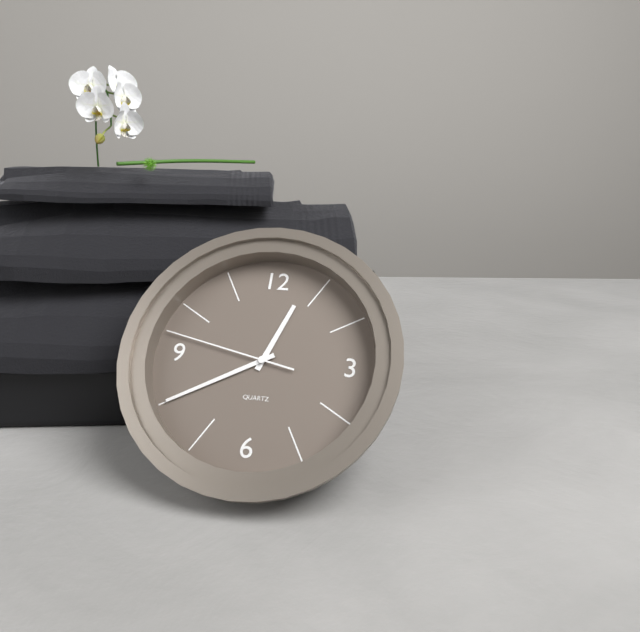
12:40:47
